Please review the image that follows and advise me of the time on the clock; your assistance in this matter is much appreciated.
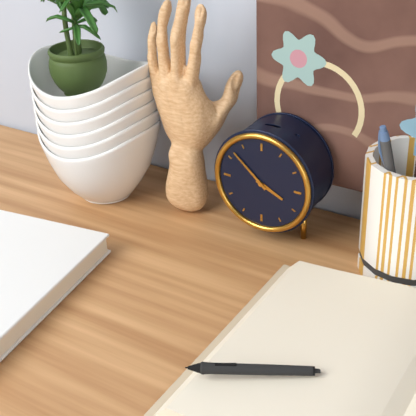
3:52
